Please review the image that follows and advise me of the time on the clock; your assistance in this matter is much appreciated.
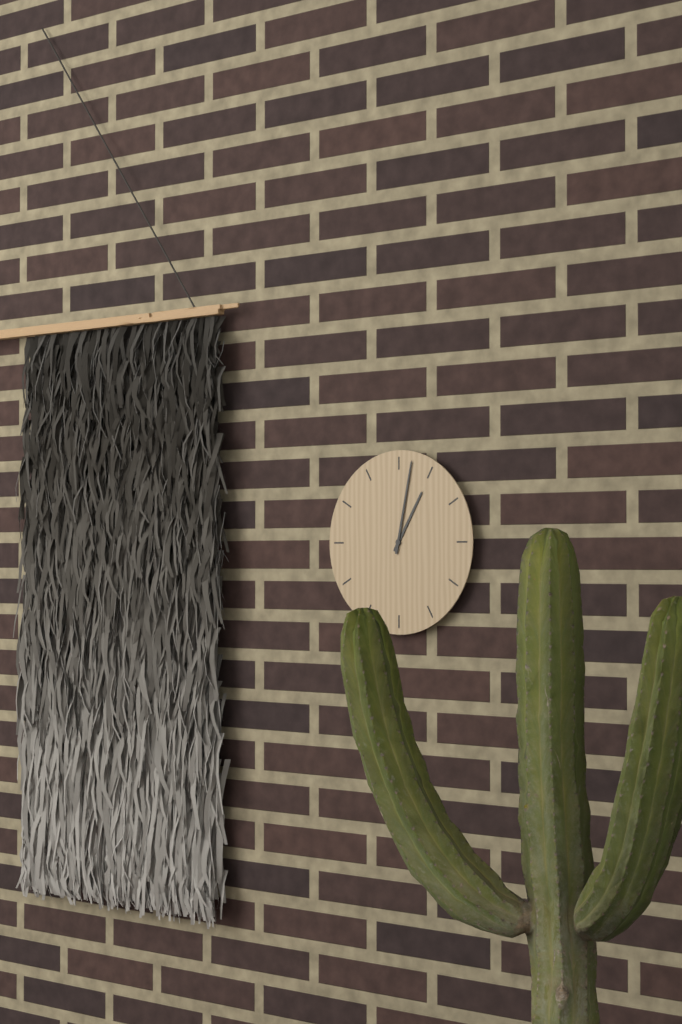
1:02
